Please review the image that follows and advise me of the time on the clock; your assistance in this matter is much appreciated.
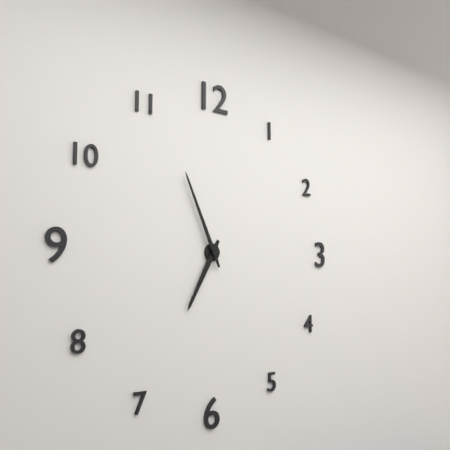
6:56
